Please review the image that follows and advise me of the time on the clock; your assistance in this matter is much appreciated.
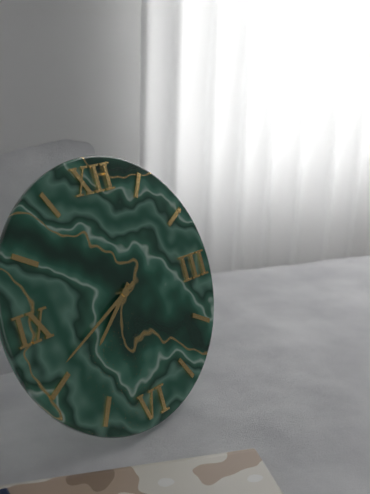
7:41
